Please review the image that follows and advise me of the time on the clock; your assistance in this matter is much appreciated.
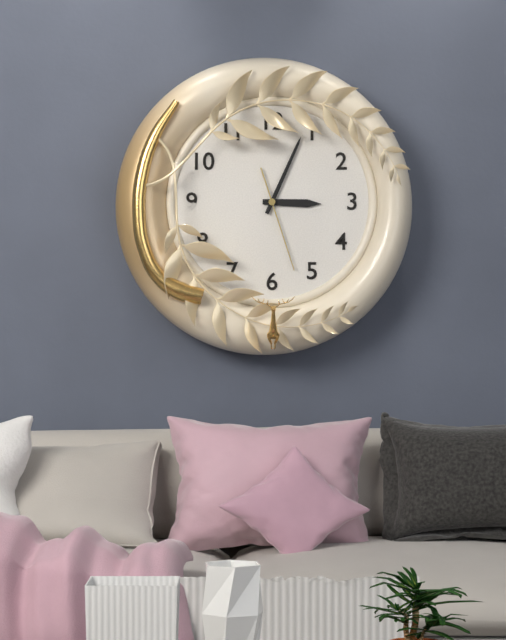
3:04:27
